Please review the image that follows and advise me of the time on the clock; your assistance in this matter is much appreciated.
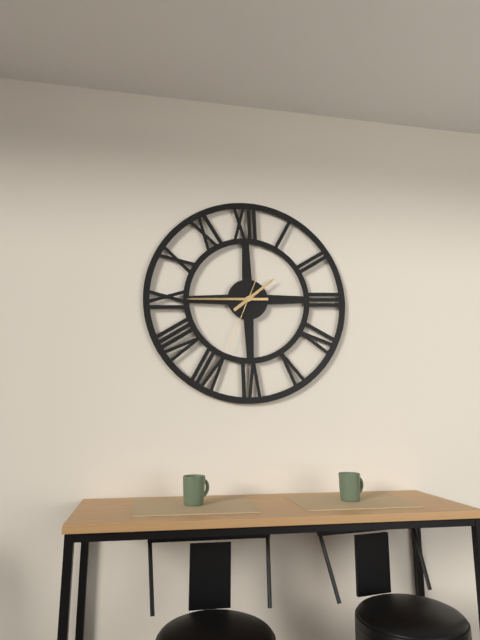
1:45:34
